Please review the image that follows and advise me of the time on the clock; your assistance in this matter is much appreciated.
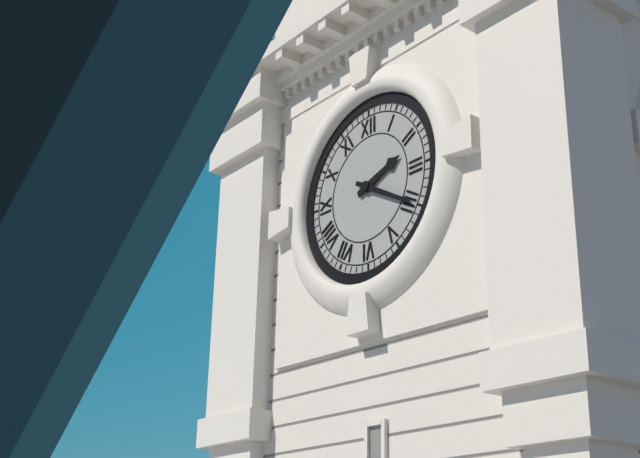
2:20
